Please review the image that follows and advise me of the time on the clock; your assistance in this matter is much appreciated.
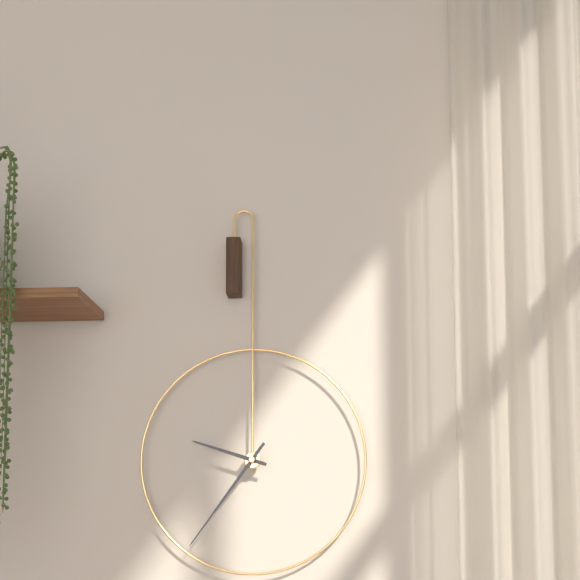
9:36
